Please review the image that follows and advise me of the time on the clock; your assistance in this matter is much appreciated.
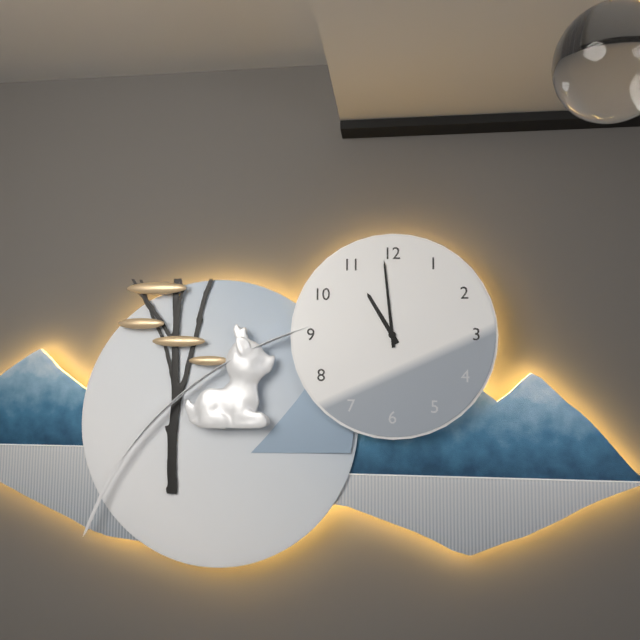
10:59
